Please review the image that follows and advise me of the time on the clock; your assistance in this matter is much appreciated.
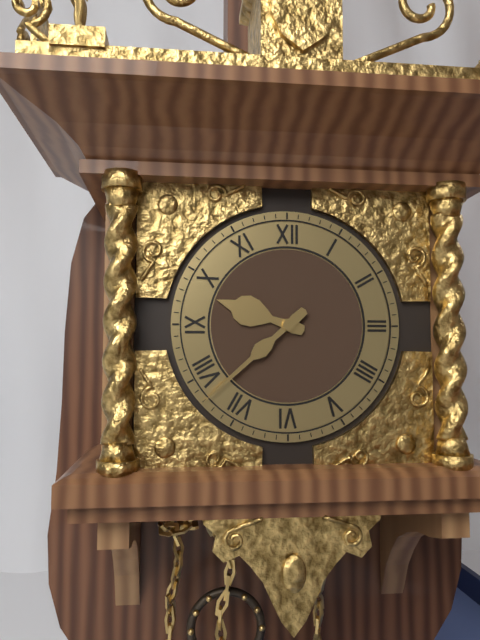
9:38
